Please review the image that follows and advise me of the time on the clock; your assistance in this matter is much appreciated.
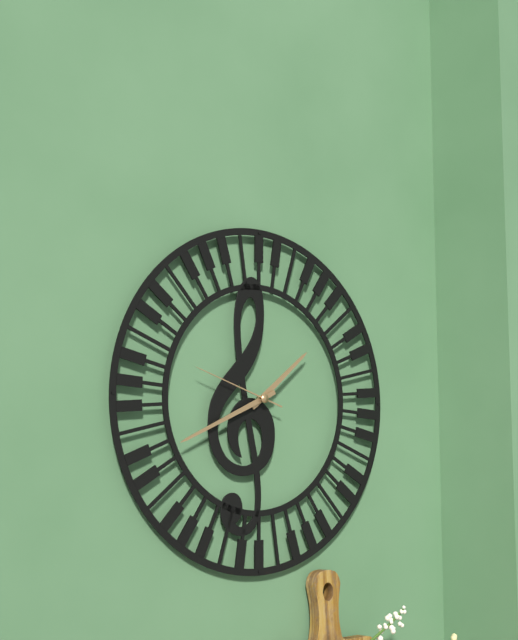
1:41:48
